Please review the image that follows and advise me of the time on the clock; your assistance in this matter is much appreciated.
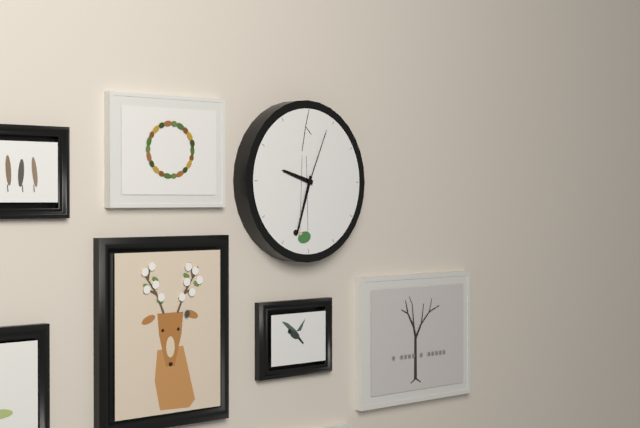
9:33:04
